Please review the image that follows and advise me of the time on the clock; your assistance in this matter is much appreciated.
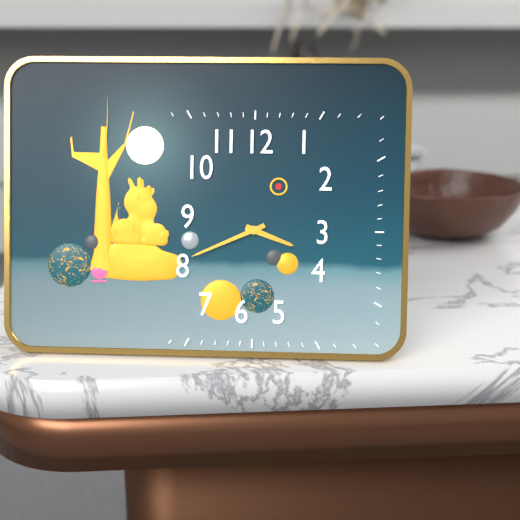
3:41
